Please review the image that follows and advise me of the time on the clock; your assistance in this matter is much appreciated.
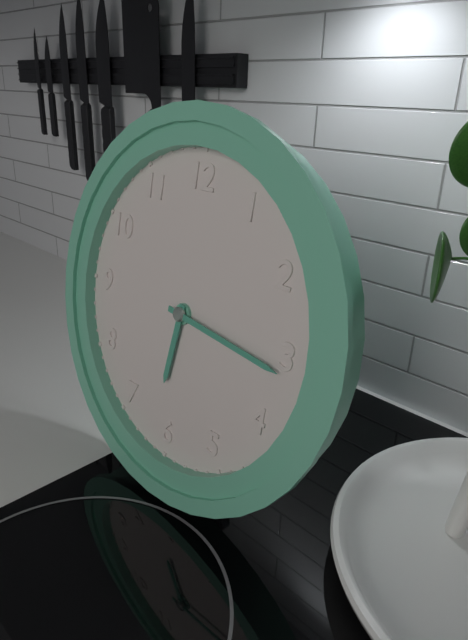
6:16
